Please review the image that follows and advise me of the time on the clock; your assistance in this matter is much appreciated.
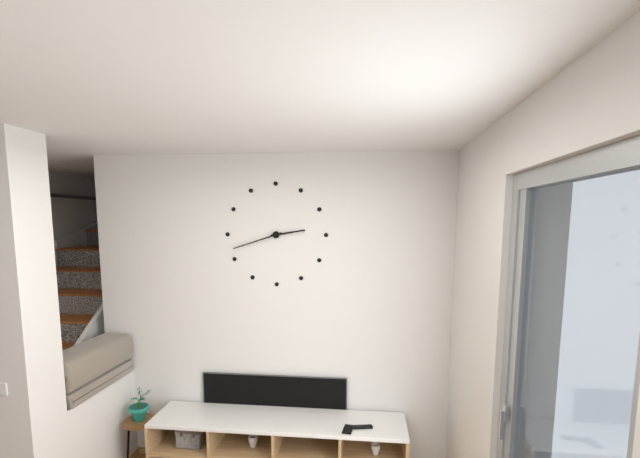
2:42
